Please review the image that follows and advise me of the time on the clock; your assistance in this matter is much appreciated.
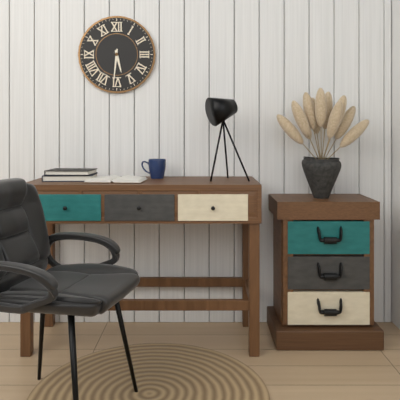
5:31
